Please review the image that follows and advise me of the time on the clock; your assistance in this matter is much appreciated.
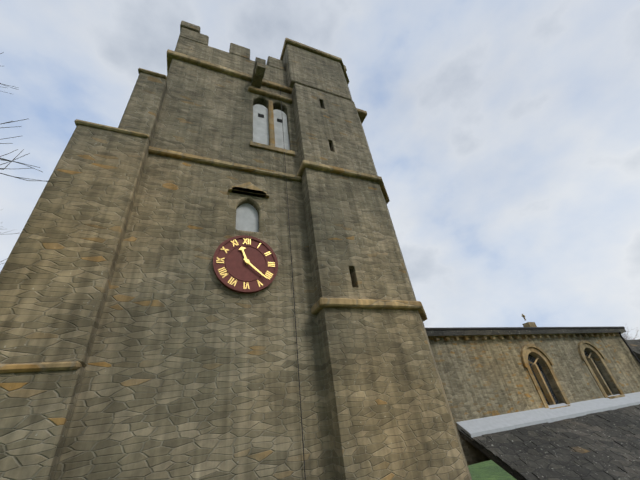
11:22
